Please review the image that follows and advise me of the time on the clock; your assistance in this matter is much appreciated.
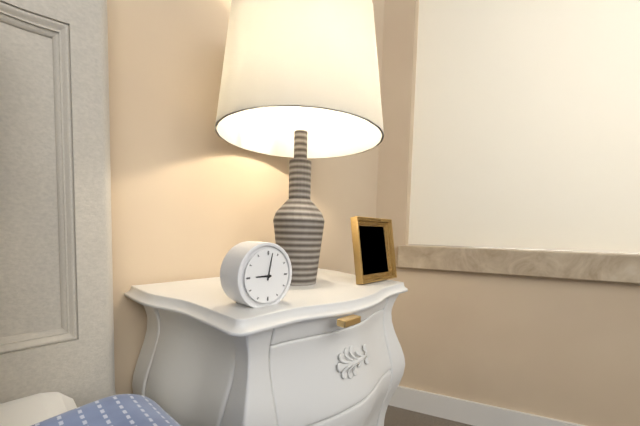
9:02
